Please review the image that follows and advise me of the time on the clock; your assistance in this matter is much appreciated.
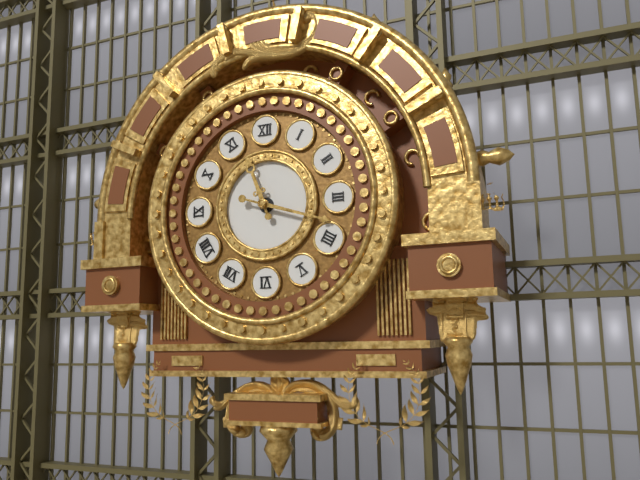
11:18
